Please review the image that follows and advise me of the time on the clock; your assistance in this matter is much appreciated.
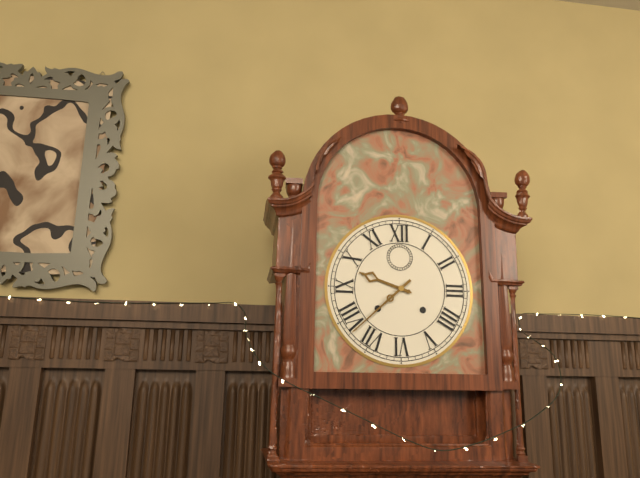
9:38
